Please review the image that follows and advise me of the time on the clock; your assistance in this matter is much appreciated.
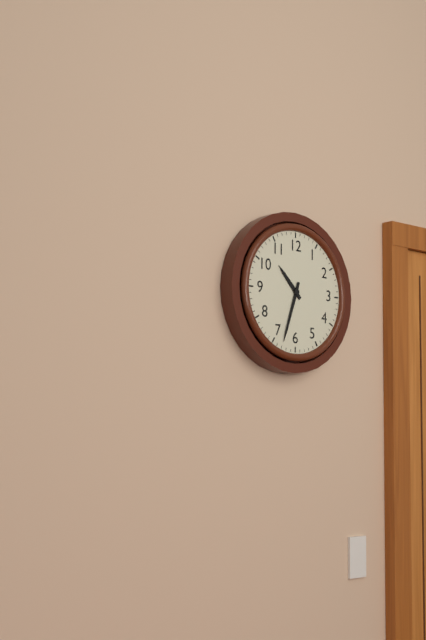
10:33
